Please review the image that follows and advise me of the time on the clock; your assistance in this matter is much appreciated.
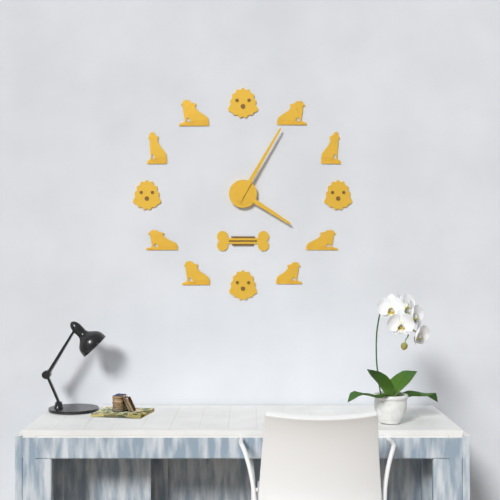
4:05
